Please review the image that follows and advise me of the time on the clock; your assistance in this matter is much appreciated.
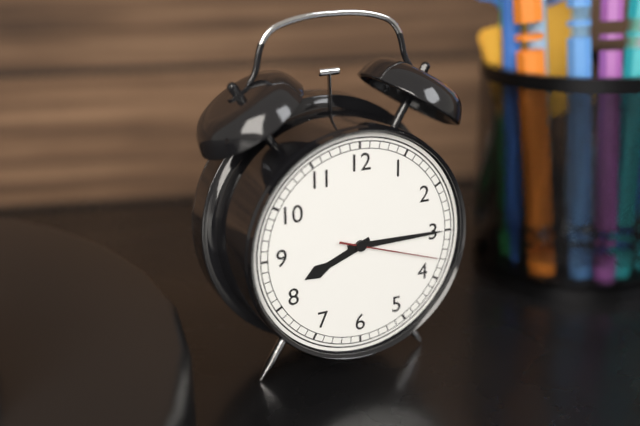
8:15:18
